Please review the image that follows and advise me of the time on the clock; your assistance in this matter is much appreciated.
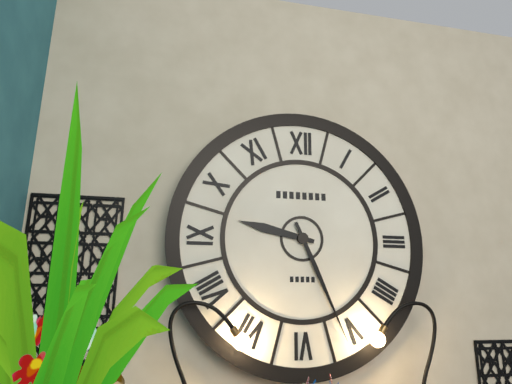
9:26
